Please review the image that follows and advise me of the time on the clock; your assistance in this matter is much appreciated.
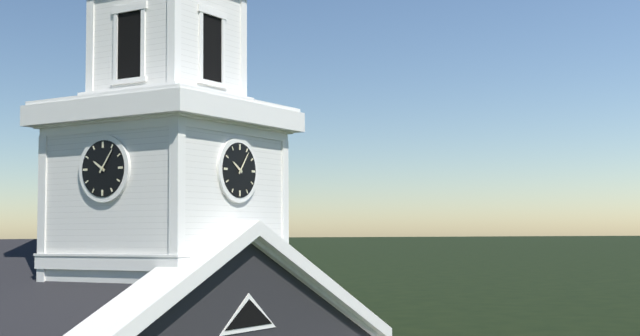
10:06
